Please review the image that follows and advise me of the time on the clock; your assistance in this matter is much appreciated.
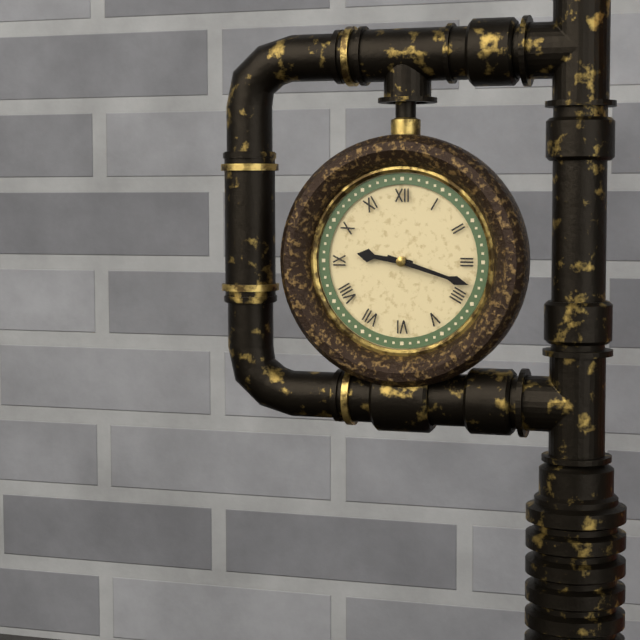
9:18
